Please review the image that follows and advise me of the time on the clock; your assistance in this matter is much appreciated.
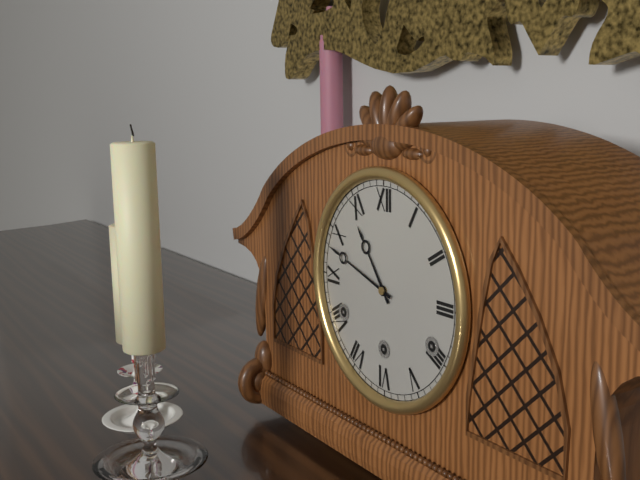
10:48
